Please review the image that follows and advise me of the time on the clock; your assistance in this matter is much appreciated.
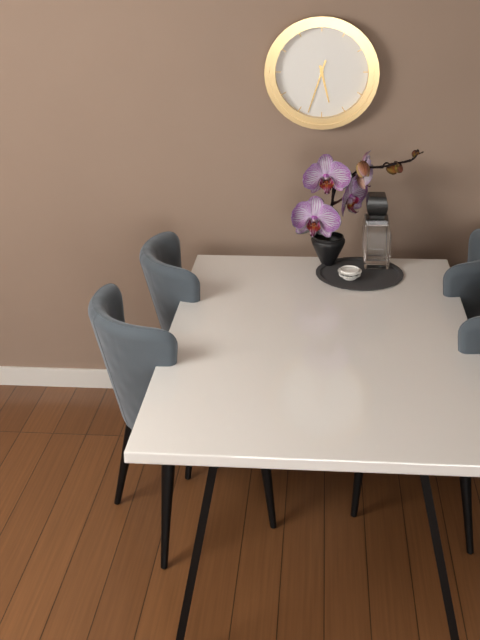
5:33
